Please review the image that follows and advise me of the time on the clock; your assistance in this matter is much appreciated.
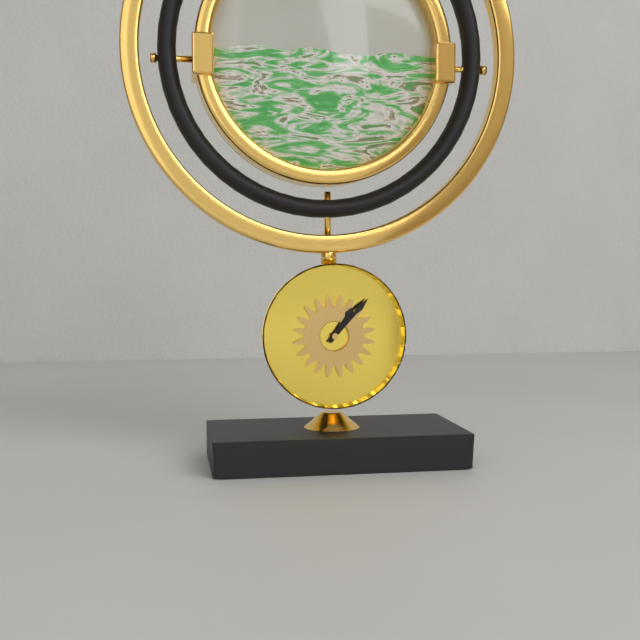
1:07
